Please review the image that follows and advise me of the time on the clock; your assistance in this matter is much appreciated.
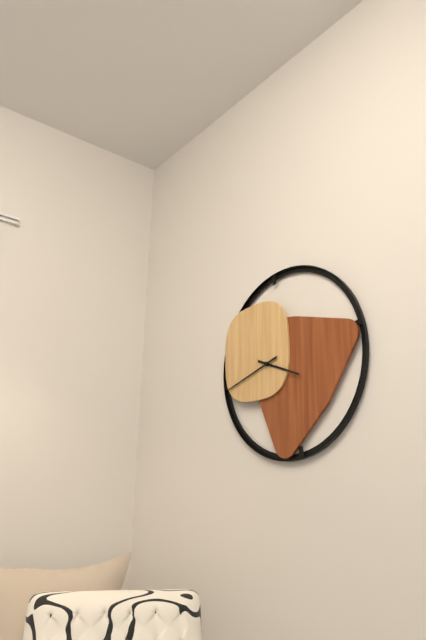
3:42
